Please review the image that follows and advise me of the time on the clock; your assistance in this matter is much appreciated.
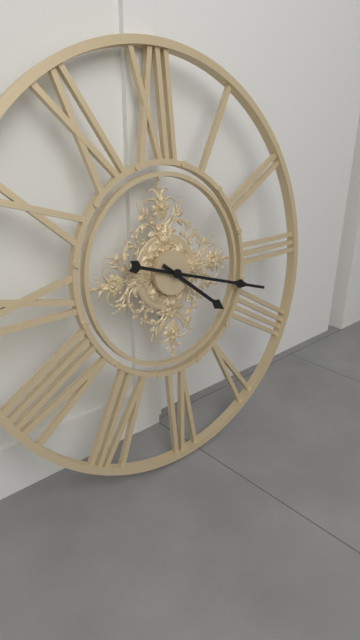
4:18
